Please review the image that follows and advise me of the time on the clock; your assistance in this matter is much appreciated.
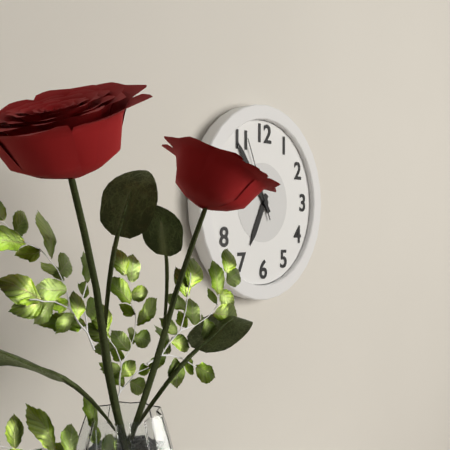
6:54:56
